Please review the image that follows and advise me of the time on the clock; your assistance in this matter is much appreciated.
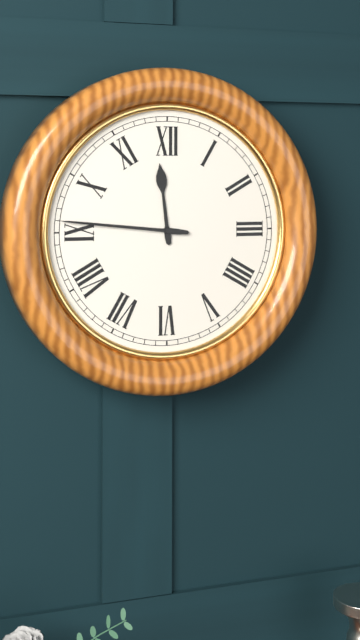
11:46
